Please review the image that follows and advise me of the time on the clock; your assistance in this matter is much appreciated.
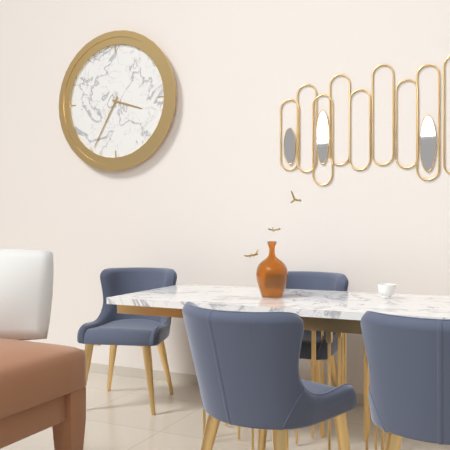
3:35
